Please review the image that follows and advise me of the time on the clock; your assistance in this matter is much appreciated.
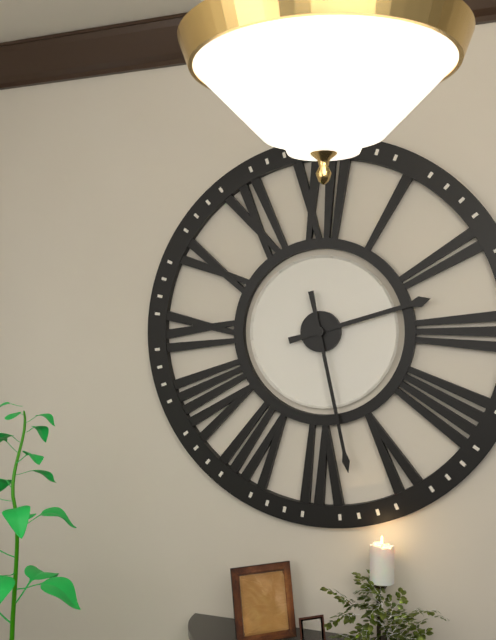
2:28
